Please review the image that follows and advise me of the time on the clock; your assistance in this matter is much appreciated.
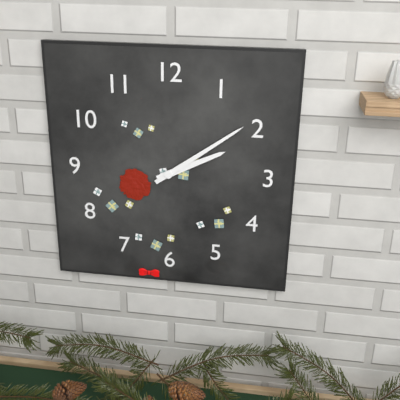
2:09
